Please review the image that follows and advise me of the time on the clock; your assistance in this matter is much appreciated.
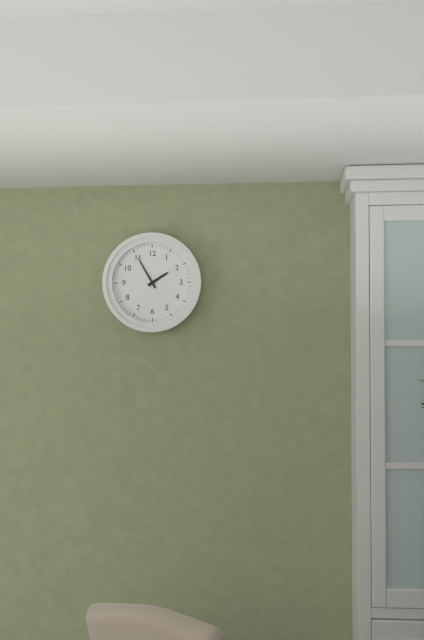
1:55
